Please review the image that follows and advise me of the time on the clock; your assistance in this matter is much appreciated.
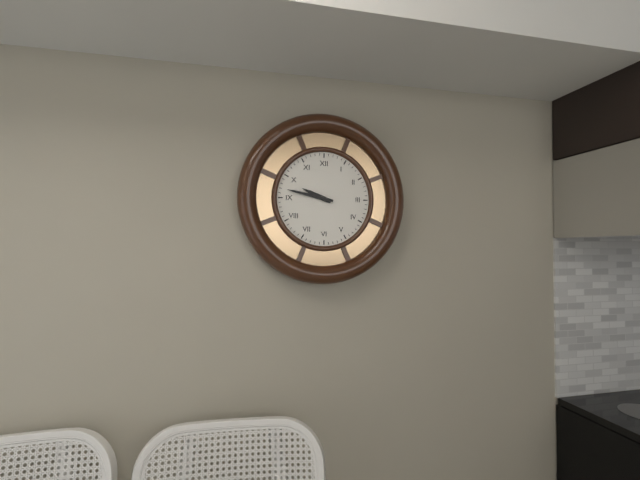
9:47
